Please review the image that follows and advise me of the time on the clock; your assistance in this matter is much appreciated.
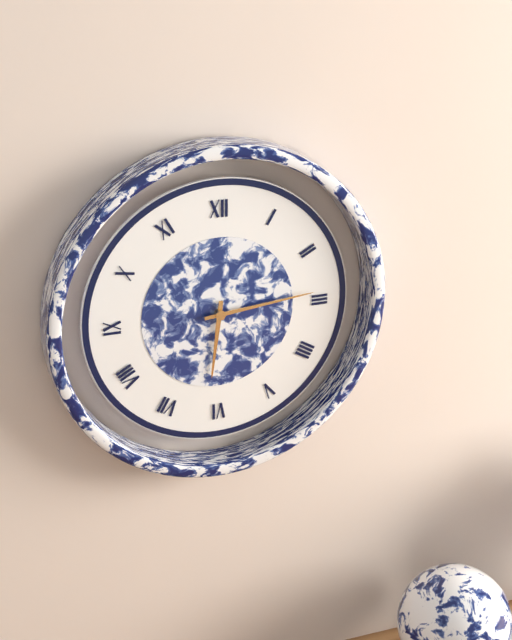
6:14
